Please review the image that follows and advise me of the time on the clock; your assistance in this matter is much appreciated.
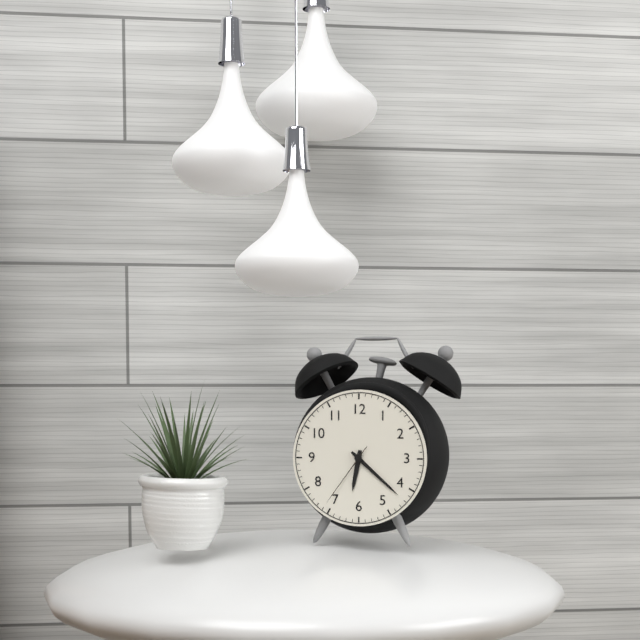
6:22:36
